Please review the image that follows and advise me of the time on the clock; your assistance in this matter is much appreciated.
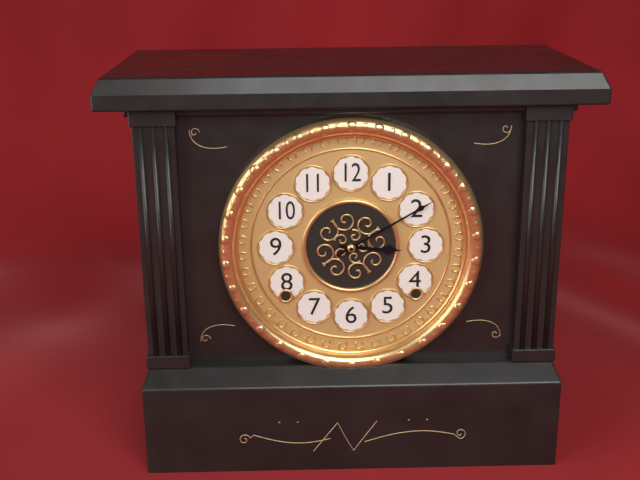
3:10
